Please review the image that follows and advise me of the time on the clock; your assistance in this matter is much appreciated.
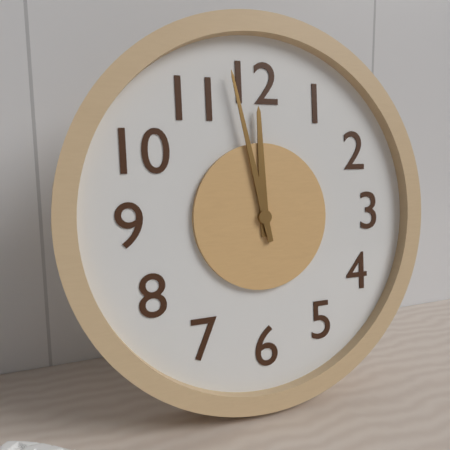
11:58
